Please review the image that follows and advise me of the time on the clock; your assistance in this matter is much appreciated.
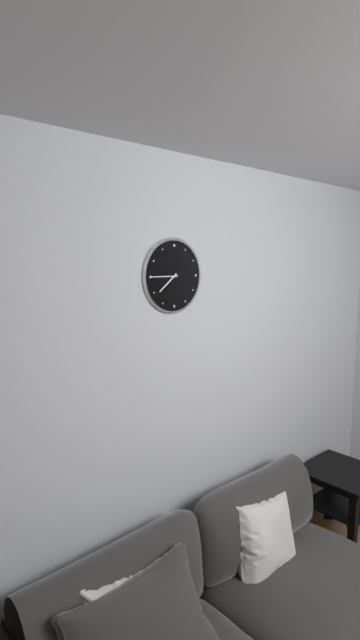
7:45
